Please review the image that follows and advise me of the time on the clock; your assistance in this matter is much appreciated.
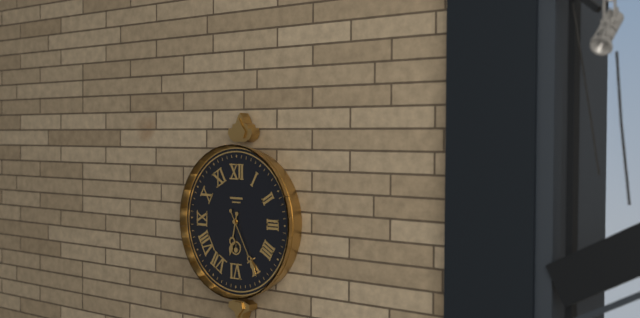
6:25
